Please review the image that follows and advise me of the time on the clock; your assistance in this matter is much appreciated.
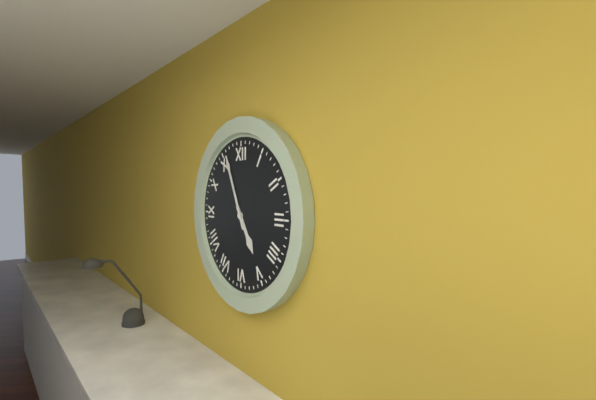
4:56
